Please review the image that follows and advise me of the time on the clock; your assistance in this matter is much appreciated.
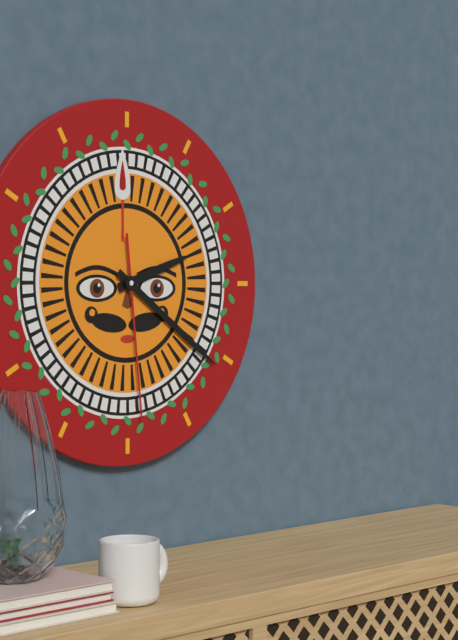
2:21:29
